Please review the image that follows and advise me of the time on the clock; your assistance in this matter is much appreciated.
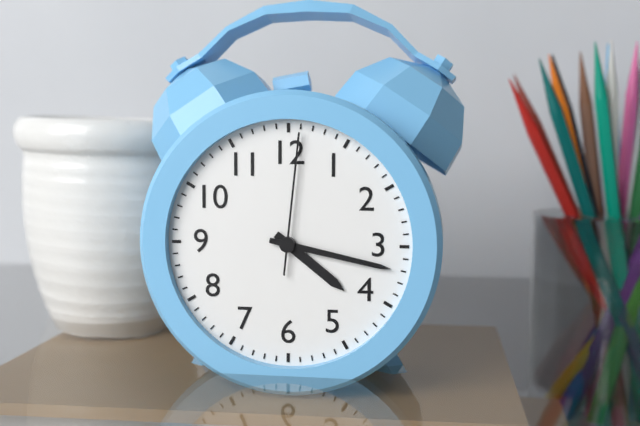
4:17:01
